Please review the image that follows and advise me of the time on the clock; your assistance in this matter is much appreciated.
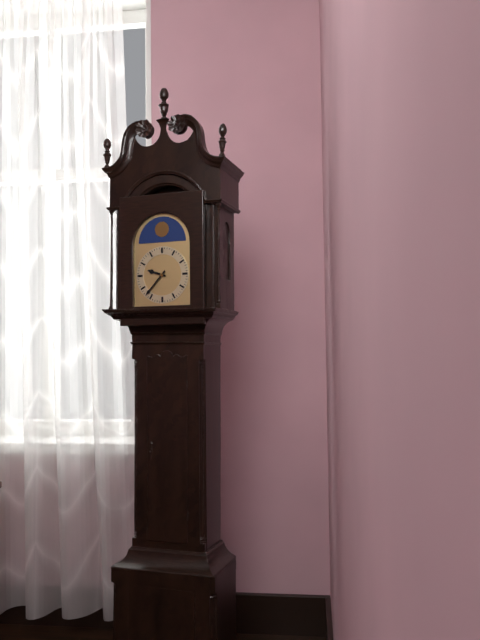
9:37
